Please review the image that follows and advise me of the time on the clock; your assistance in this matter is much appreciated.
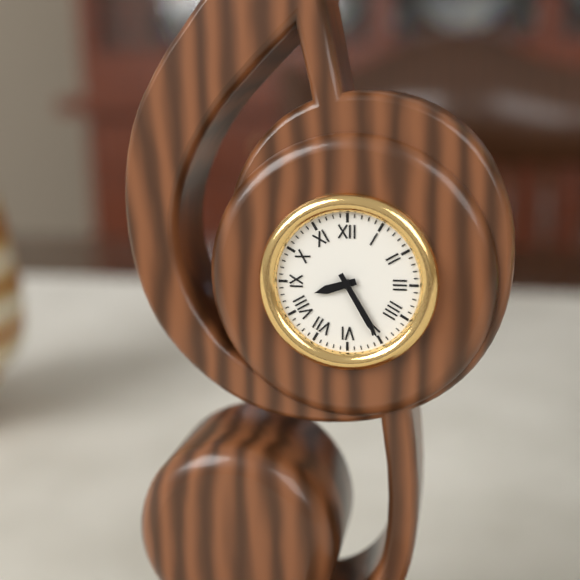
8:25
